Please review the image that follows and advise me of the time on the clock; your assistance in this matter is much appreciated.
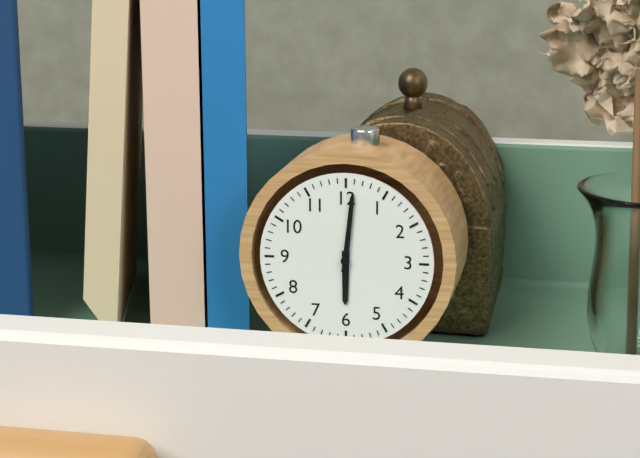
6:01
